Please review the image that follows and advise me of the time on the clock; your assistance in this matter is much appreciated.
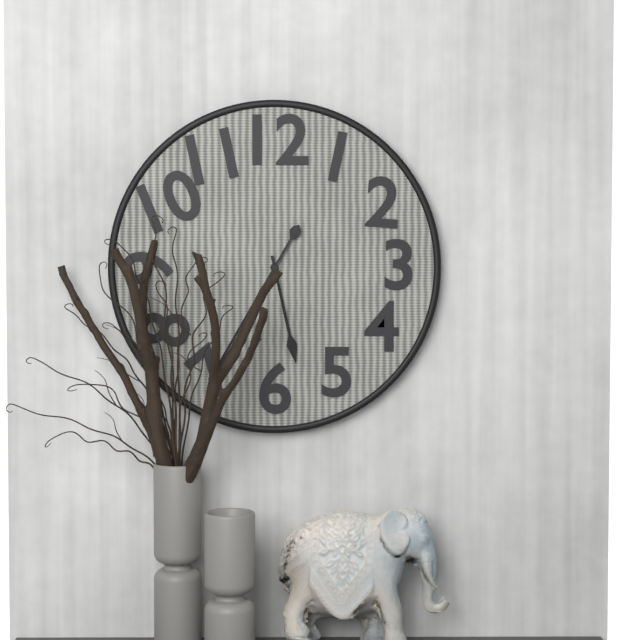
5:35
